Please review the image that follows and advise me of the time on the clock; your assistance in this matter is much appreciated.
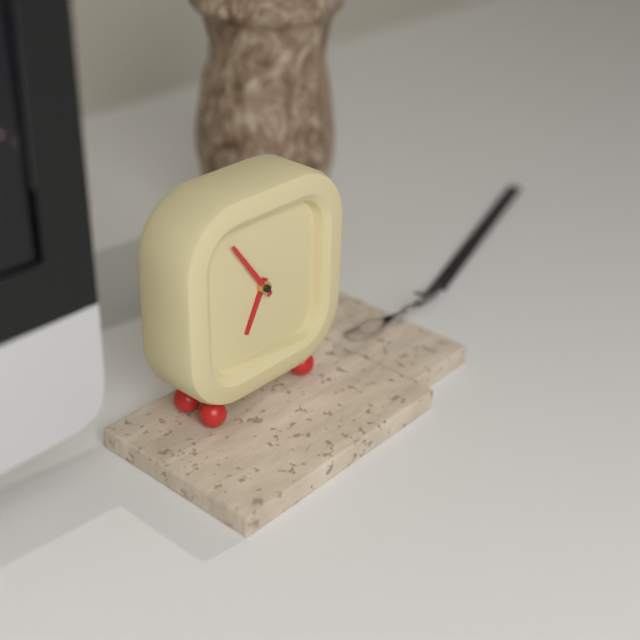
6:54
